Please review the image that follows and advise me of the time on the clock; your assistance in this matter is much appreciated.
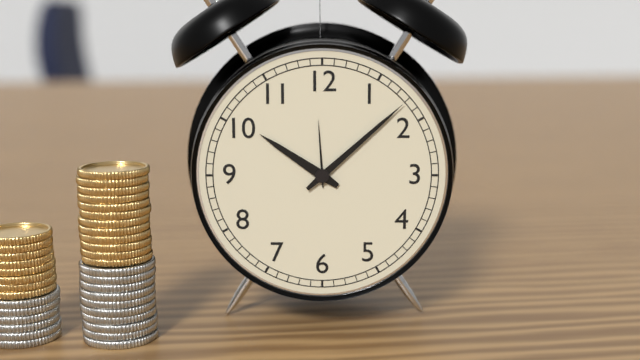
10:08
